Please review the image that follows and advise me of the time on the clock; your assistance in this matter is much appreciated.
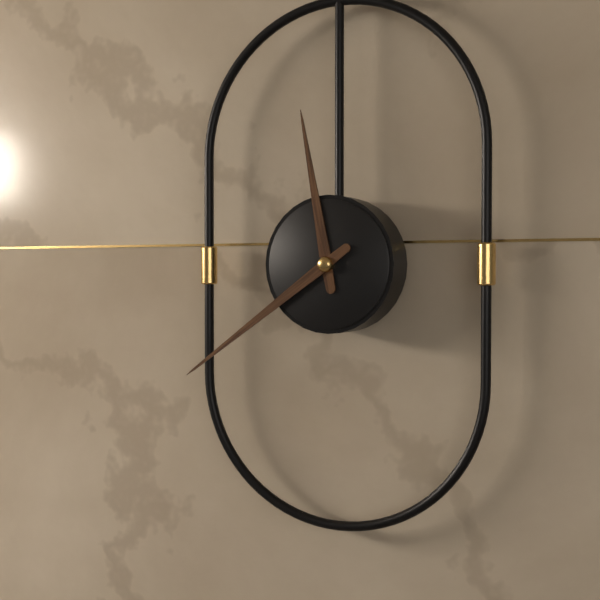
11:39
